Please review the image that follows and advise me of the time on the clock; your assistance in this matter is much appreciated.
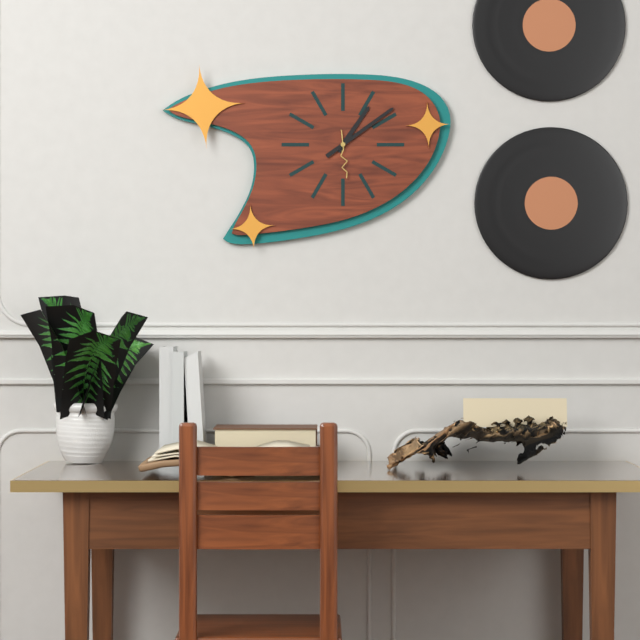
1:09
